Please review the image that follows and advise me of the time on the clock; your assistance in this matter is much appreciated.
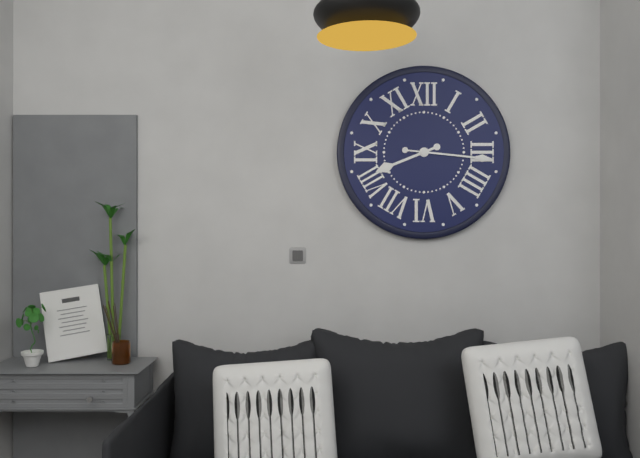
8:16
